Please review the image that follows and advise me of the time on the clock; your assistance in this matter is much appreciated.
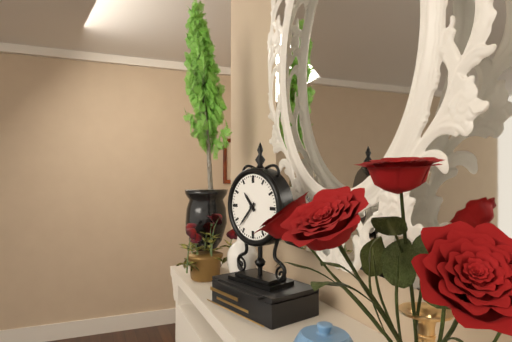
10:37
